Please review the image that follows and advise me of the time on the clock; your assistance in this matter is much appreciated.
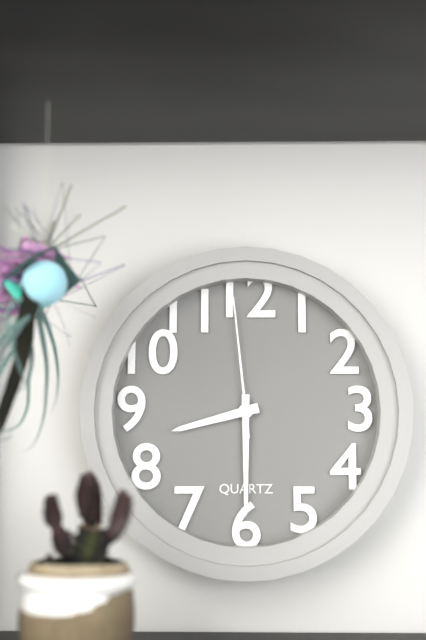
8:30:59
